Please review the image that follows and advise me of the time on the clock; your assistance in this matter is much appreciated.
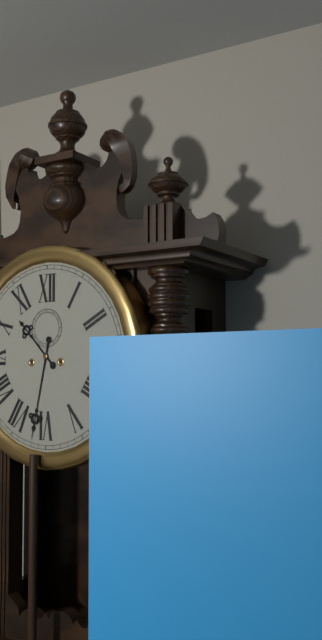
10:32
